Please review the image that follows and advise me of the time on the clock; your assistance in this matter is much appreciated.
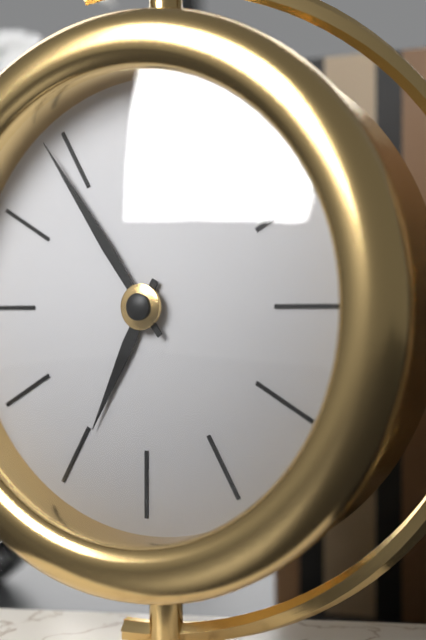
6:54
